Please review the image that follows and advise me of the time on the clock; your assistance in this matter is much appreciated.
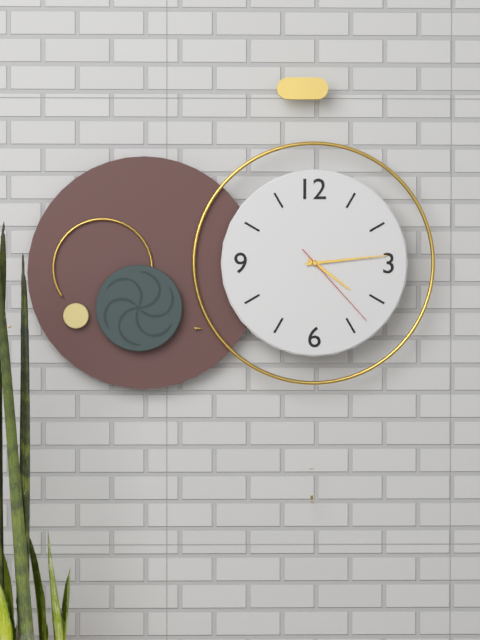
4:14:23
